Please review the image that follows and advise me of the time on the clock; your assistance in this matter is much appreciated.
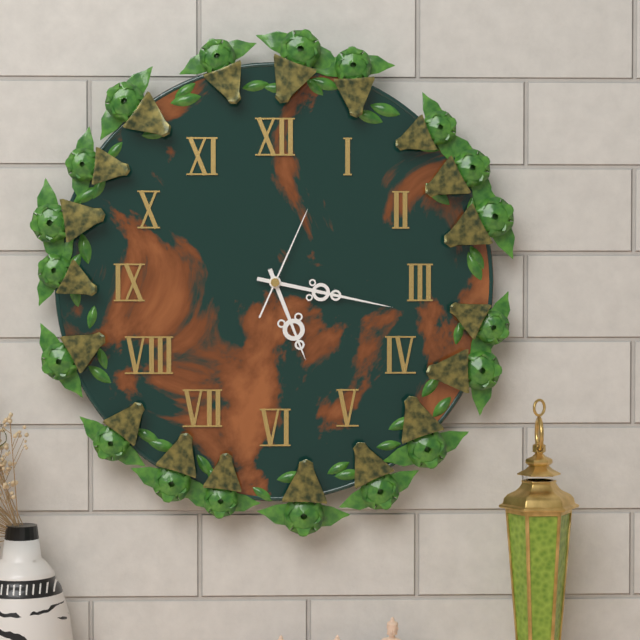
5:17:04
